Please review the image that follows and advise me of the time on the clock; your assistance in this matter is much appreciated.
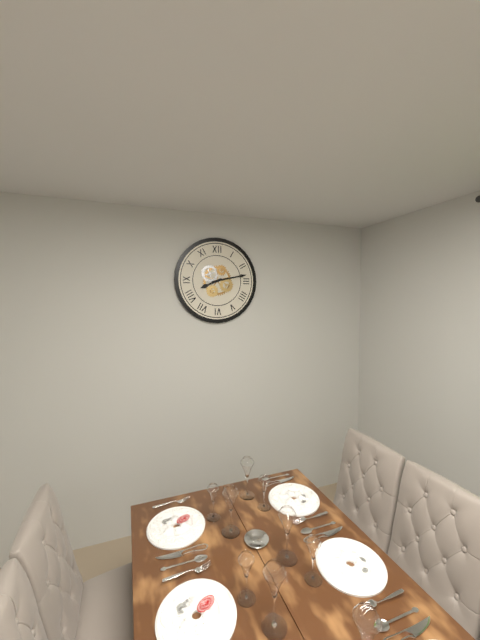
8:13
